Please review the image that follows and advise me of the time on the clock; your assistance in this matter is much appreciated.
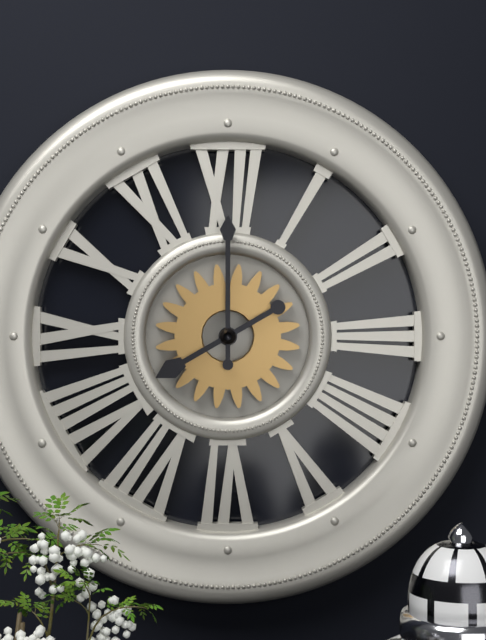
8:00
